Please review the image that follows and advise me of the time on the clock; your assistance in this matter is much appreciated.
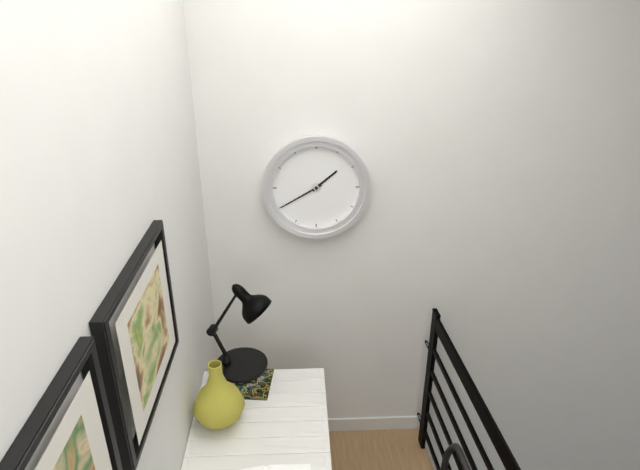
1:40
